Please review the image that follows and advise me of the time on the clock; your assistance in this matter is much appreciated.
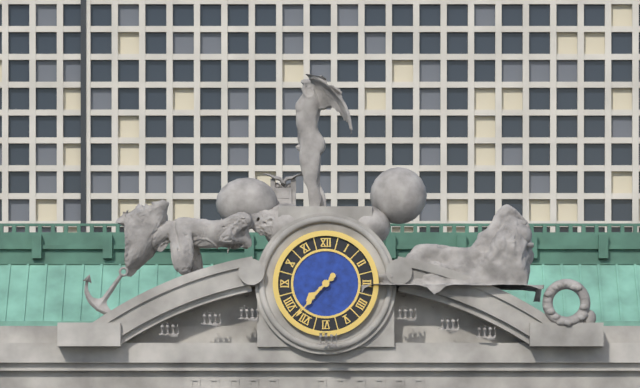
7:37
